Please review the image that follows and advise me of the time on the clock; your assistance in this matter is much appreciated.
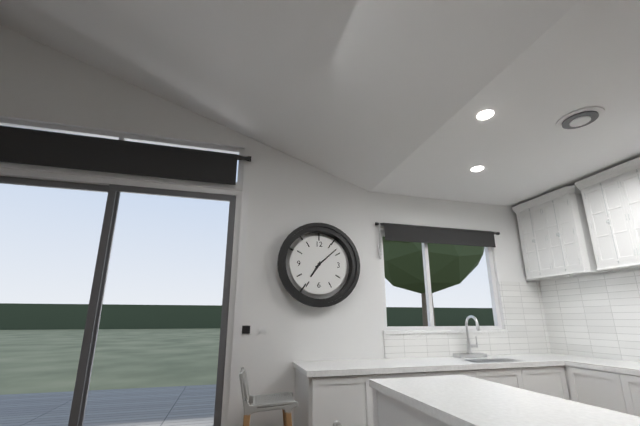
7:08
